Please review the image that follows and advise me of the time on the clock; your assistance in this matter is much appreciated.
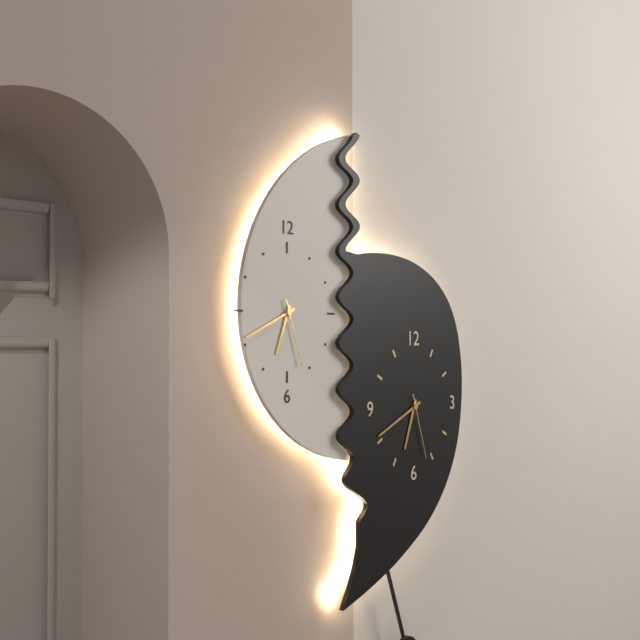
6:41:27
